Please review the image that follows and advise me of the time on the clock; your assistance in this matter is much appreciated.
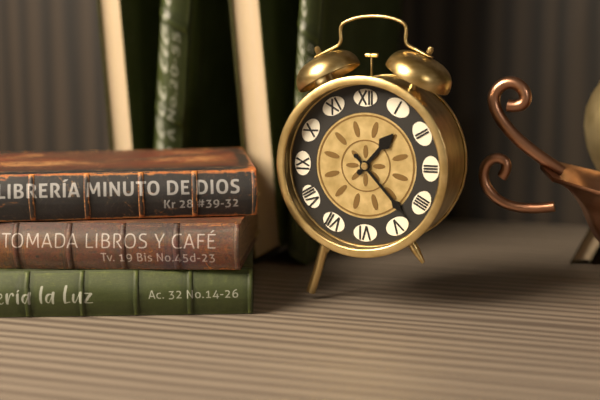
1:23
